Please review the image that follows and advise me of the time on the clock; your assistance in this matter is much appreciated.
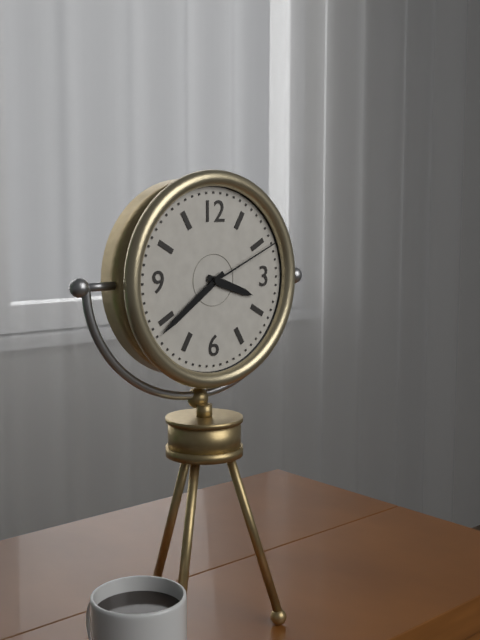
3:39:11
